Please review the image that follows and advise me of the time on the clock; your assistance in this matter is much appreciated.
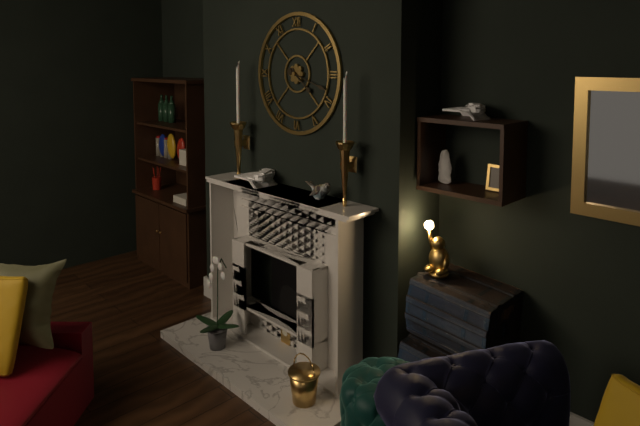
4:18
